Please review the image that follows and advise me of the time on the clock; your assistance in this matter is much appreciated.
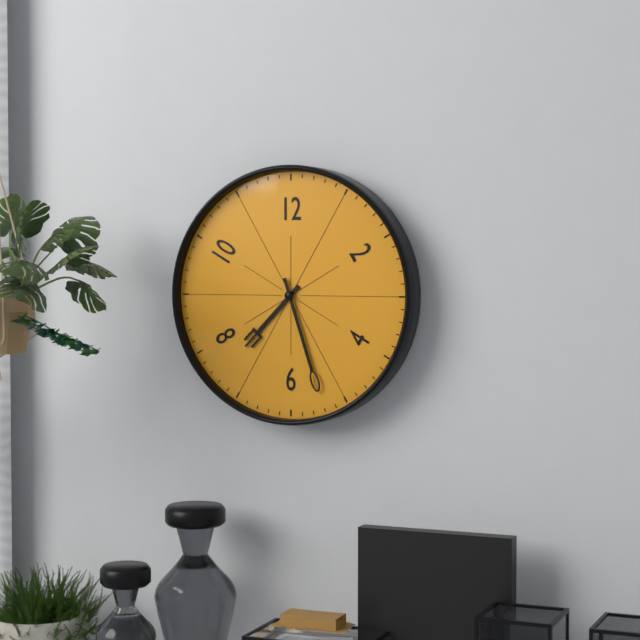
7:27
